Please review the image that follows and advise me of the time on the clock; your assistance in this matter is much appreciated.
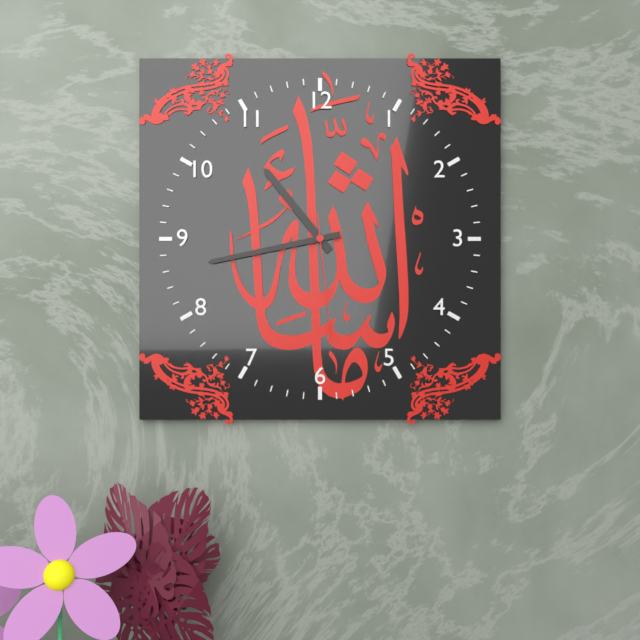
10:43:29
